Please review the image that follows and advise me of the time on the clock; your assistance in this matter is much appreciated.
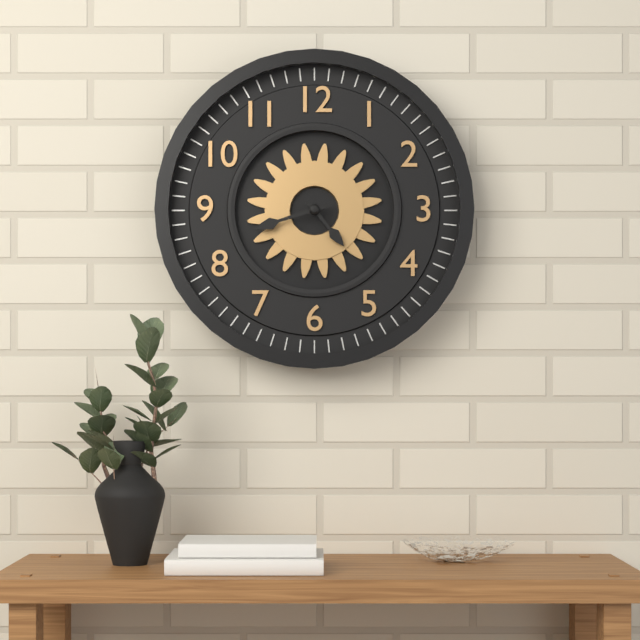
4:42
